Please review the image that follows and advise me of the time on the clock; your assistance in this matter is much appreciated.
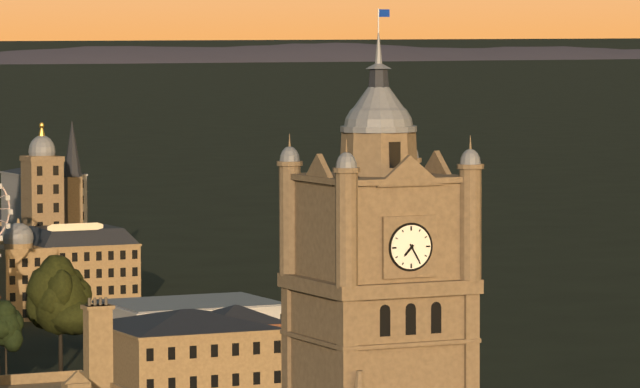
7:25
